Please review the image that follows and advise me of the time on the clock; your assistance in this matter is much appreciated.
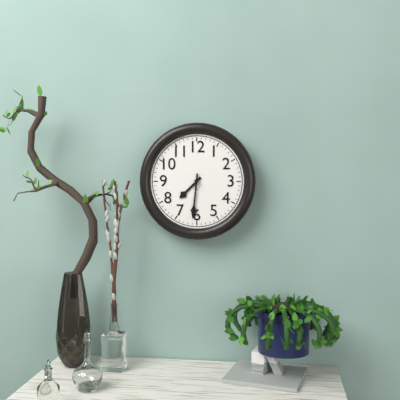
7:31
